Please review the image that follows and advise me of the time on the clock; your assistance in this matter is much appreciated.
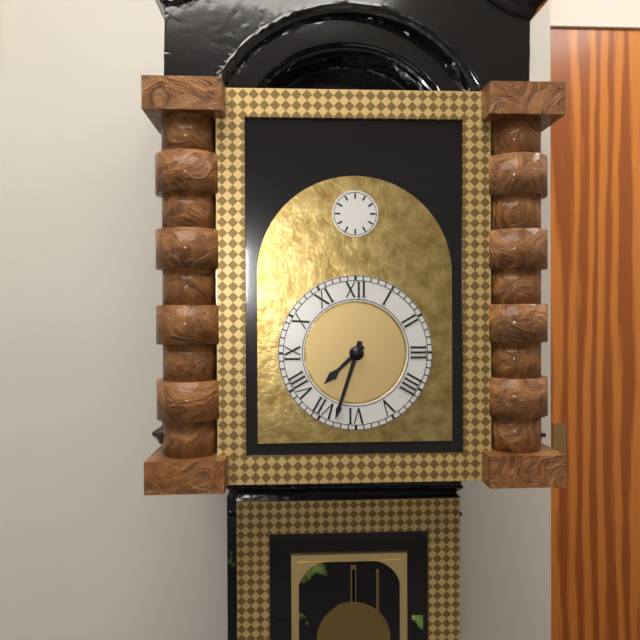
7:33
